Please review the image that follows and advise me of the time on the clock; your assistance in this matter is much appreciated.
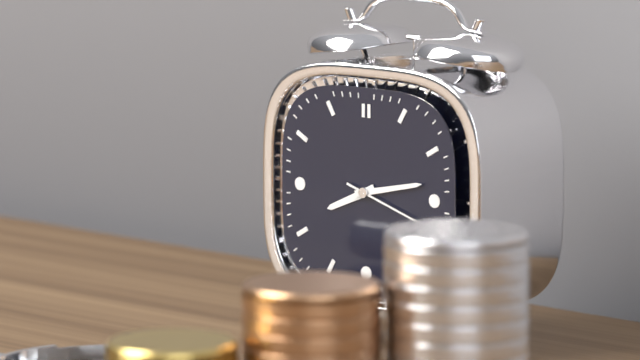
8:13:18
